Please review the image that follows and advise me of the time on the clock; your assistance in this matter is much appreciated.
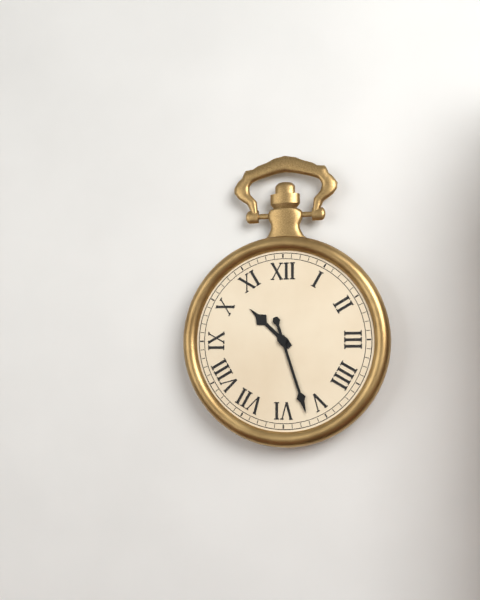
10:27
